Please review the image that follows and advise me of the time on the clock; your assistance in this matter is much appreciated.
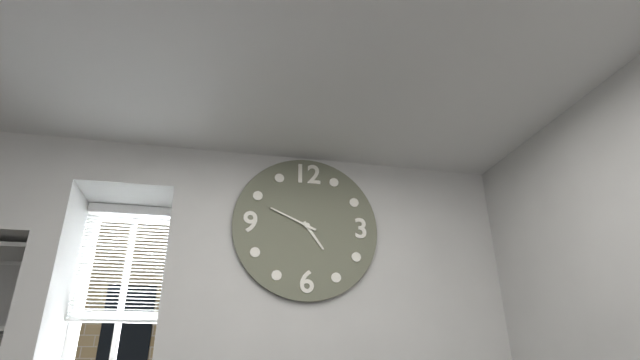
4:49
